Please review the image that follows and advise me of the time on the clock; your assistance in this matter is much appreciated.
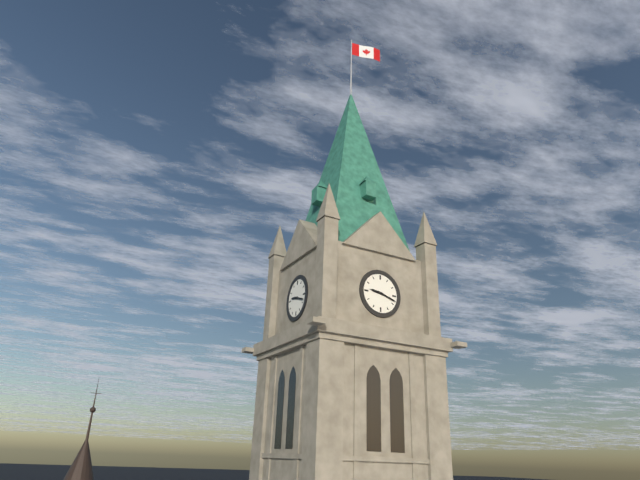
9:18
